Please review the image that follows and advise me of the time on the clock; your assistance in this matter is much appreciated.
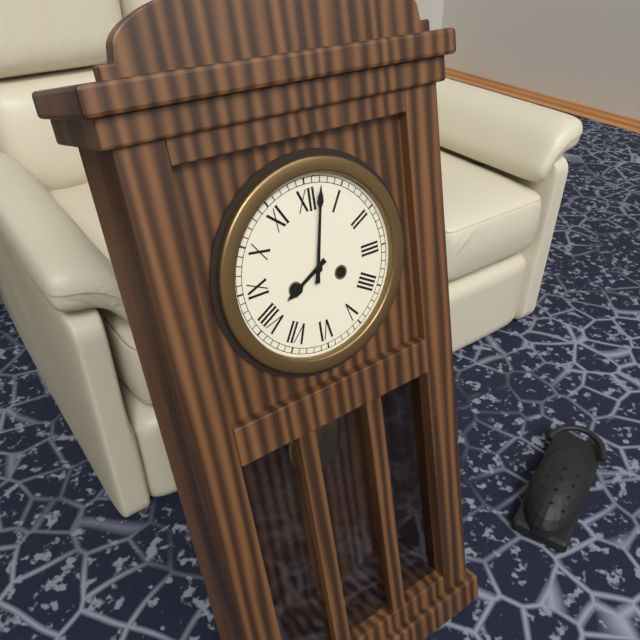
8:02
